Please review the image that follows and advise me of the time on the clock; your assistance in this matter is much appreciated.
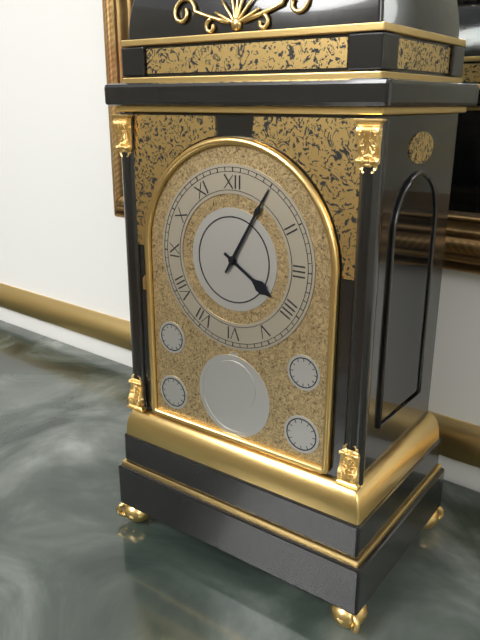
4:05
